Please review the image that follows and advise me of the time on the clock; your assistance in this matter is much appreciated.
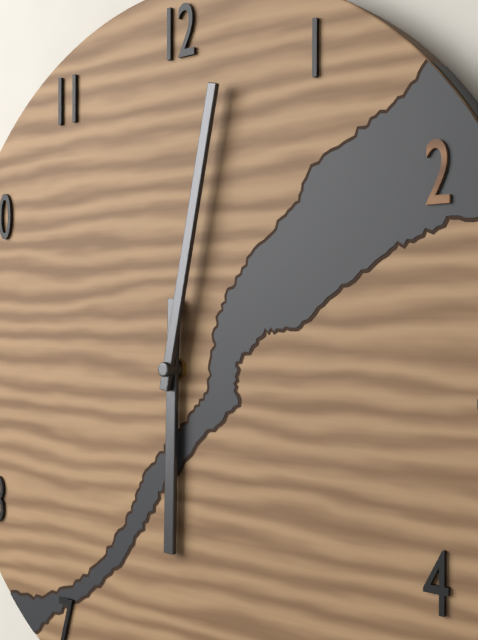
6:02
